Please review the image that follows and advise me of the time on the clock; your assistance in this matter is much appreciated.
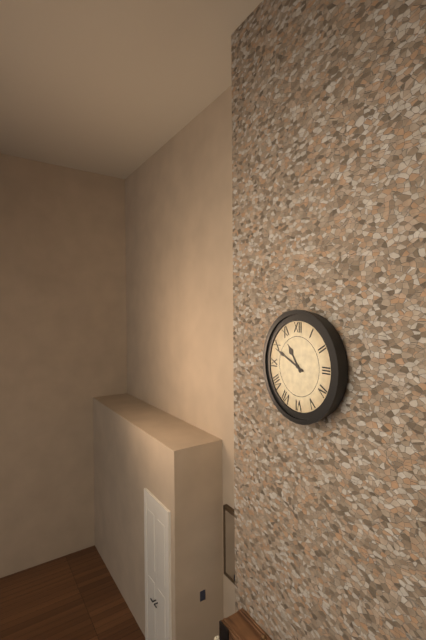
10:49
